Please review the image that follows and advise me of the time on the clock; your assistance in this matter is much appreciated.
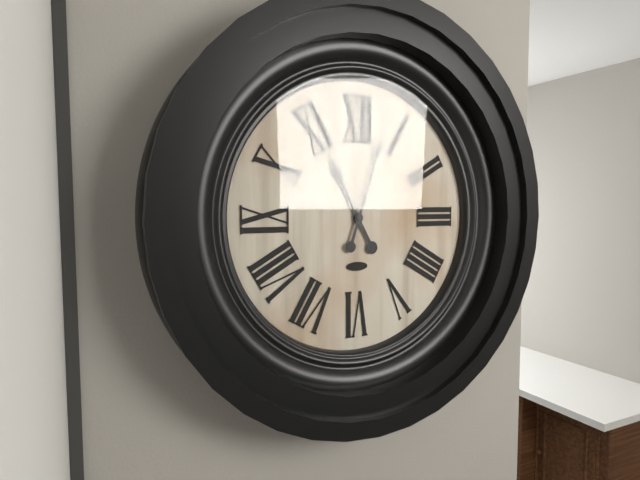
11:03
